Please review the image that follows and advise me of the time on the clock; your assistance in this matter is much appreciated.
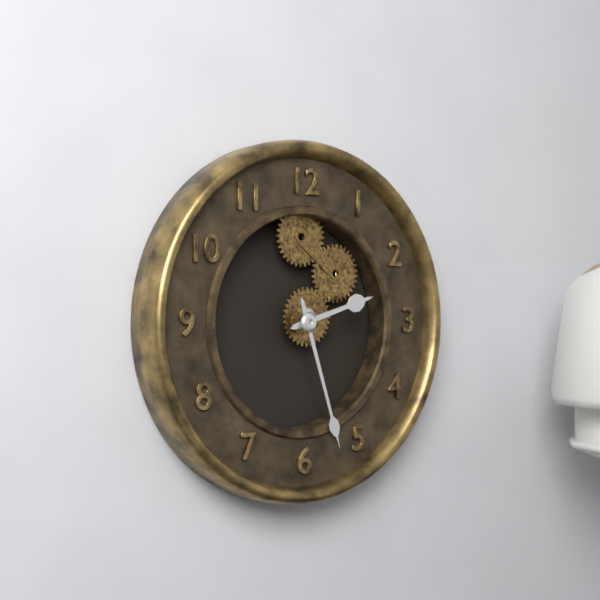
2:27
